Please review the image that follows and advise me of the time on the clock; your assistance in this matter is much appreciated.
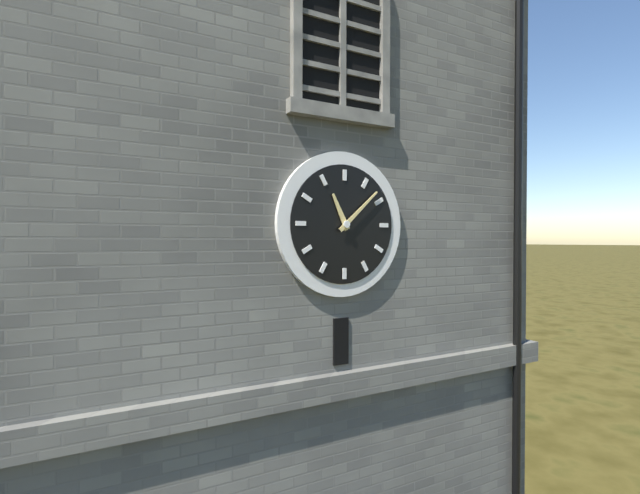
11:08
